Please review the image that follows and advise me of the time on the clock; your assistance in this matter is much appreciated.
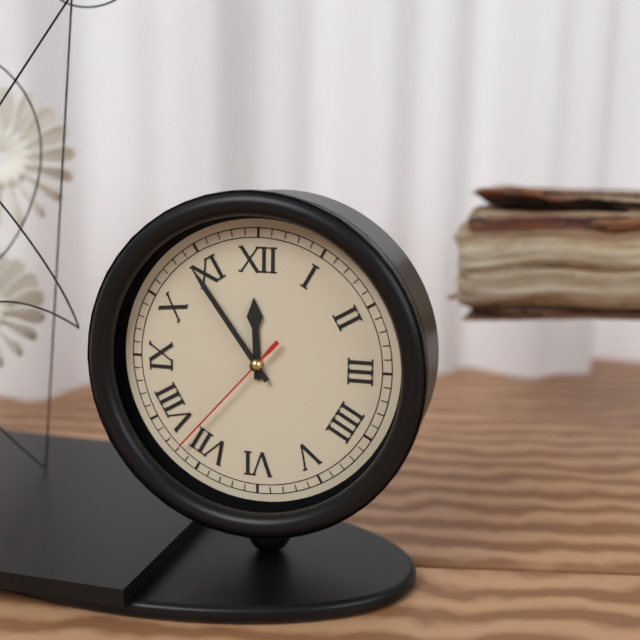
11:54:37
